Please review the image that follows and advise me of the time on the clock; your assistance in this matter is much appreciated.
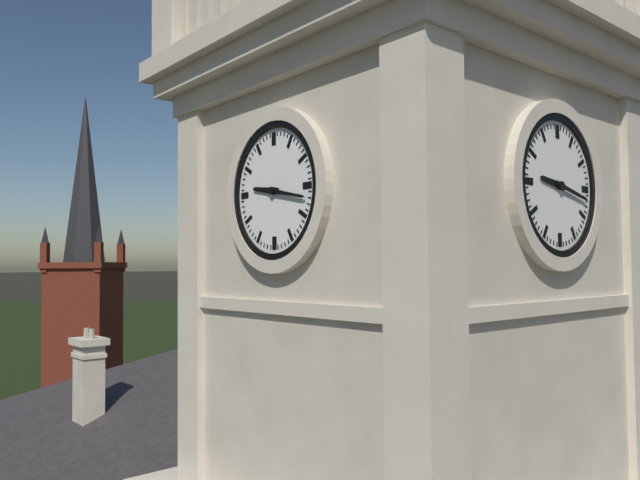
9:17
